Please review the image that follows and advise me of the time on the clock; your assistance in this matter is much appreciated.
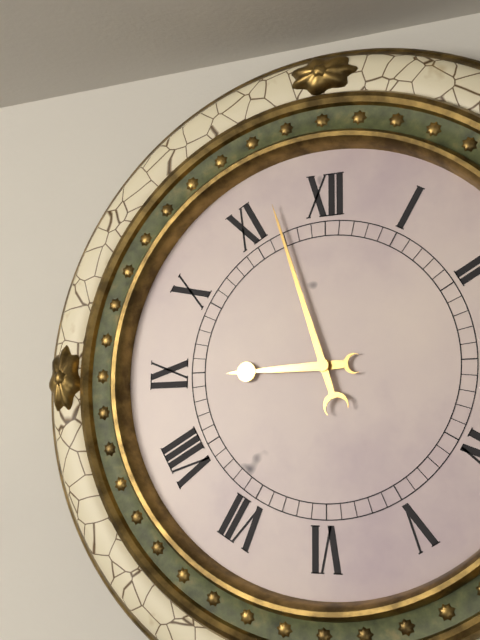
8:57
